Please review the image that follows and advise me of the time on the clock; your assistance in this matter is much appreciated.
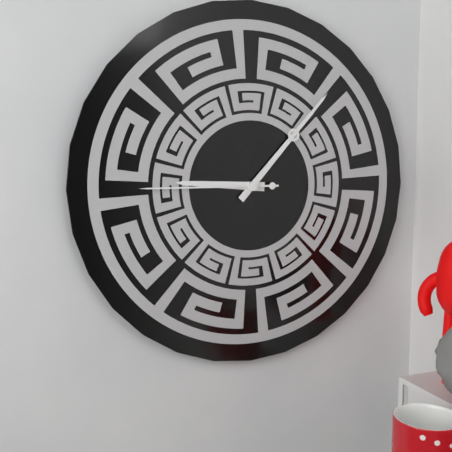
9:07:45
